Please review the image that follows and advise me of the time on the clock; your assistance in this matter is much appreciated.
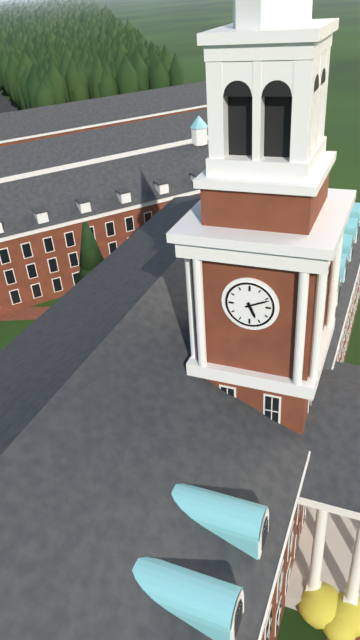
5:11
